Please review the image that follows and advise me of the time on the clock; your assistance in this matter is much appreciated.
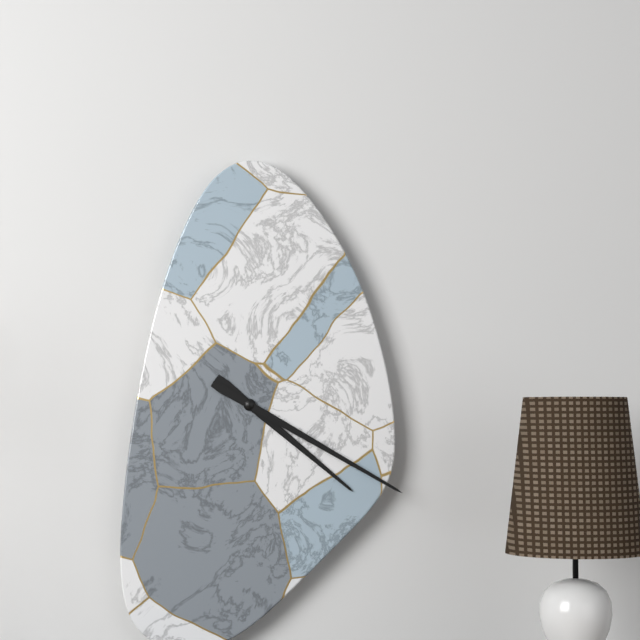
4:20
